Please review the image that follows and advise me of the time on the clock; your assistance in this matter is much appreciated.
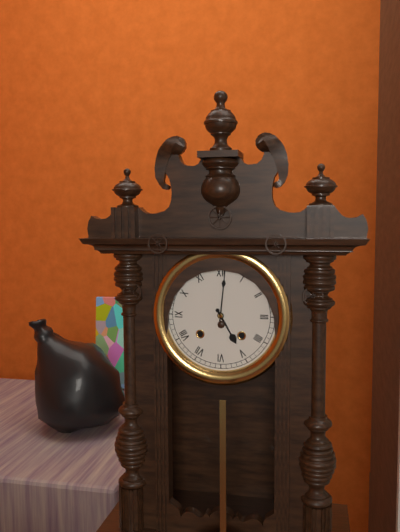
5:01
